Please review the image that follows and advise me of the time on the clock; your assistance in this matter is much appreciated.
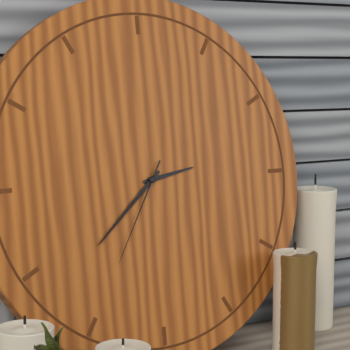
2:38:35
